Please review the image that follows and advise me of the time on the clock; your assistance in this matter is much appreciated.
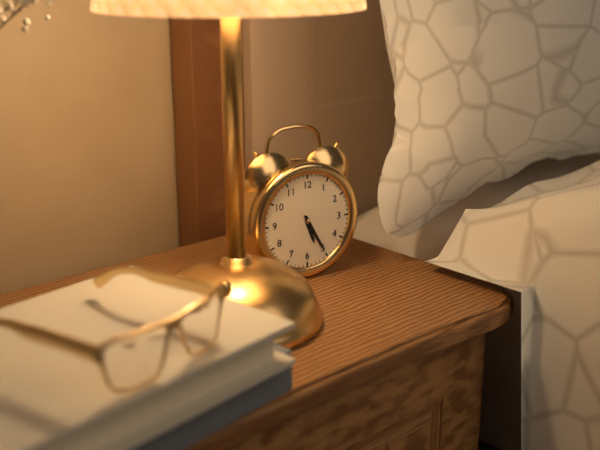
5:25
